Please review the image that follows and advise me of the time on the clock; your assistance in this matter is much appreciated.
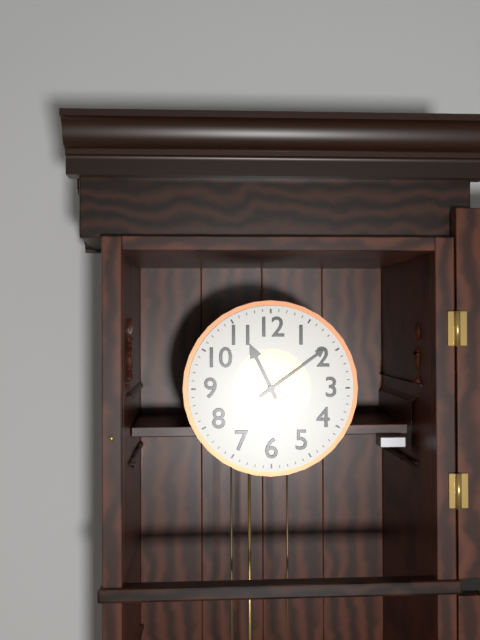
11:09
